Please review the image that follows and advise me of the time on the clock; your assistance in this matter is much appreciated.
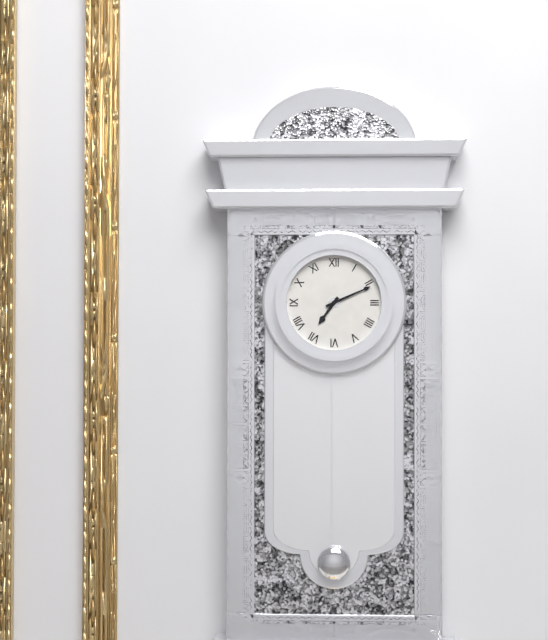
7:11
